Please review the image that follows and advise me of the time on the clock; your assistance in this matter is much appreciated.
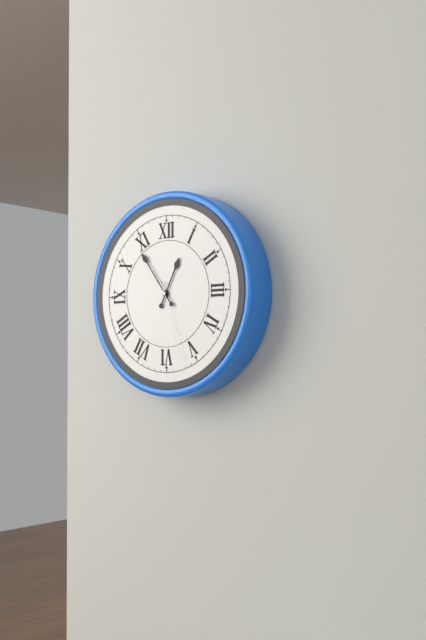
12:54:27
